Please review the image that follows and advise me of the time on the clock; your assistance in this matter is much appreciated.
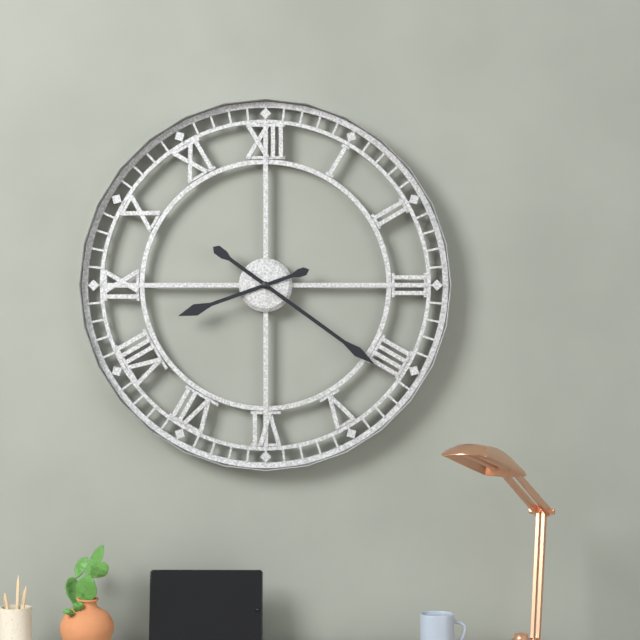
8:21
